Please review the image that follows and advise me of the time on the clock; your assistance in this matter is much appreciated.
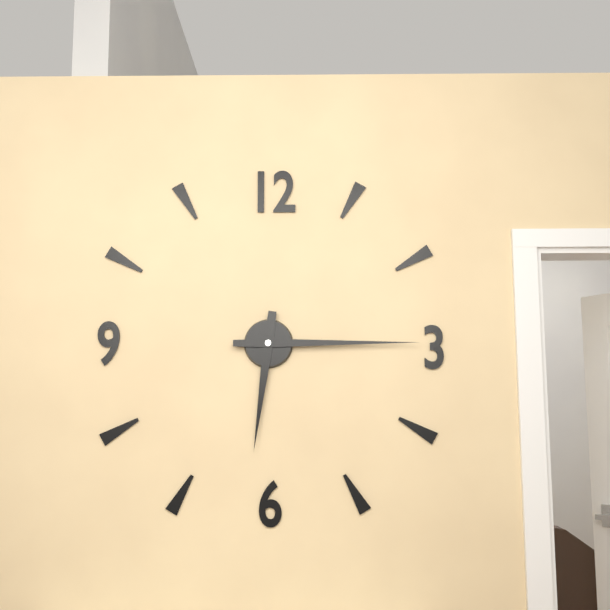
6:15
